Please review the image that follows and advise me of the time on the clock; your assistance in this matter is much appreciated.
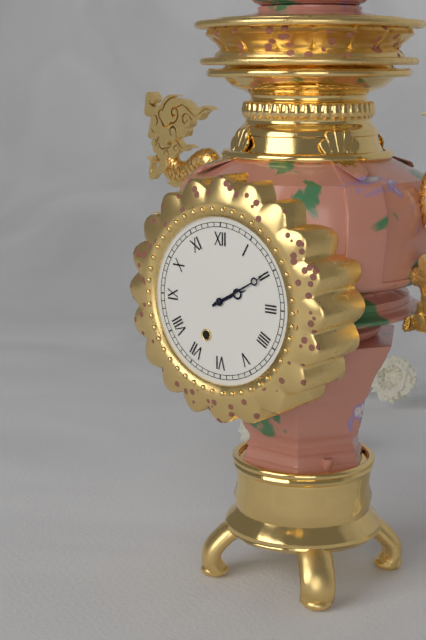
2:10
